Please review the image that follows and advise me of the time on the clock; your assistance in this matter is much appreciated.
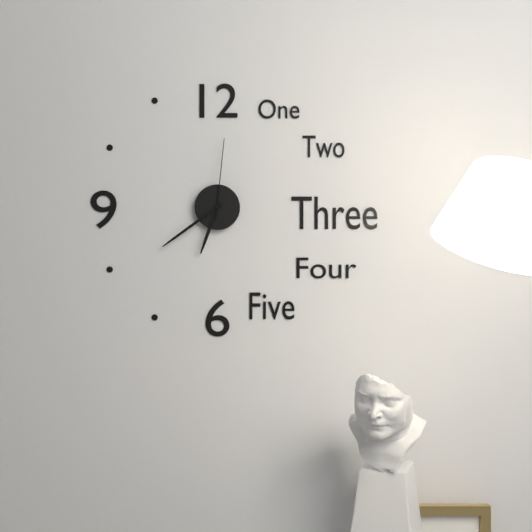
6:39:01
